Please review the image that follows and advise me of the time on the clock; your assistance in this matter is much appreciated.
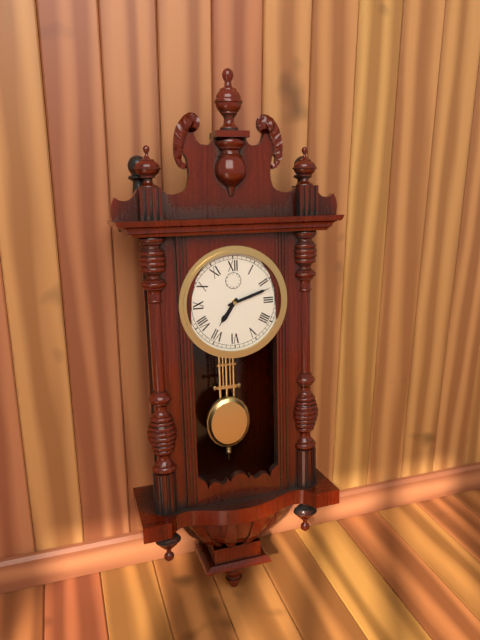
7:12
